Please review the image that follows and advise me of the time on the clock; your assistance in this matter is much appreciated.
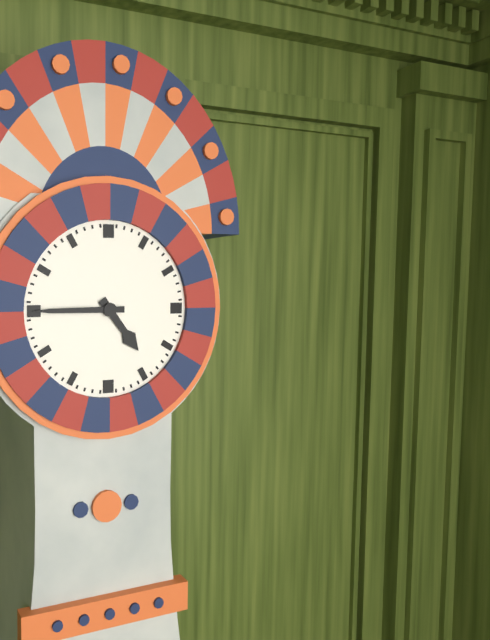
4:45
